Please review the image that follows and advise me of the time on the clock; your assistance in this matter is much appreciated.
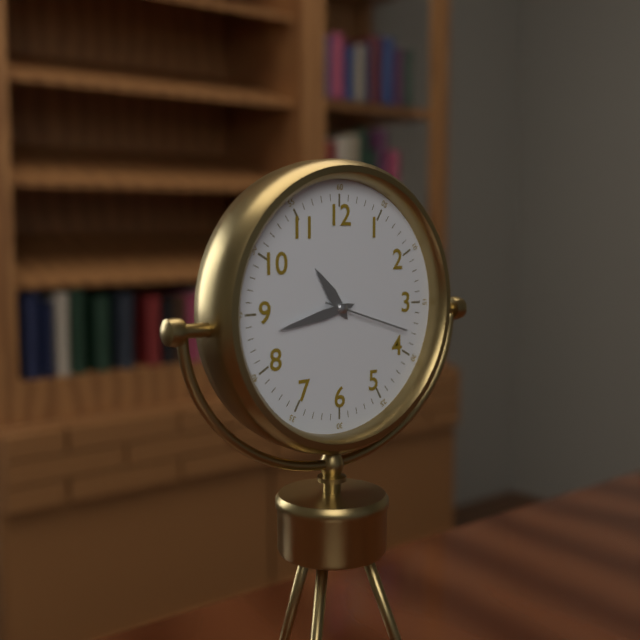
10:43:18
